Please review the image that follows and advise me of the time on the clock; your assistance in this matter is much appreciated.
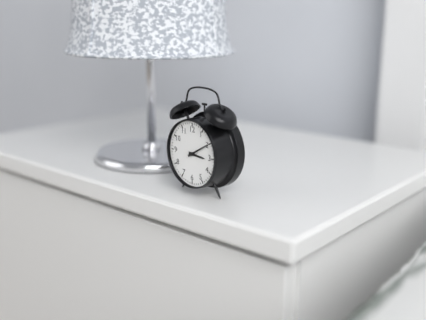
3:10
